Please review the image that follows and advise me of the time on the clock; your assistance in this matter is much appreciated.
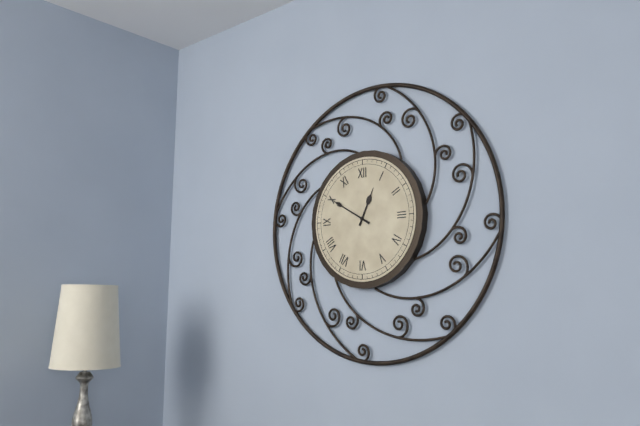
12:50
